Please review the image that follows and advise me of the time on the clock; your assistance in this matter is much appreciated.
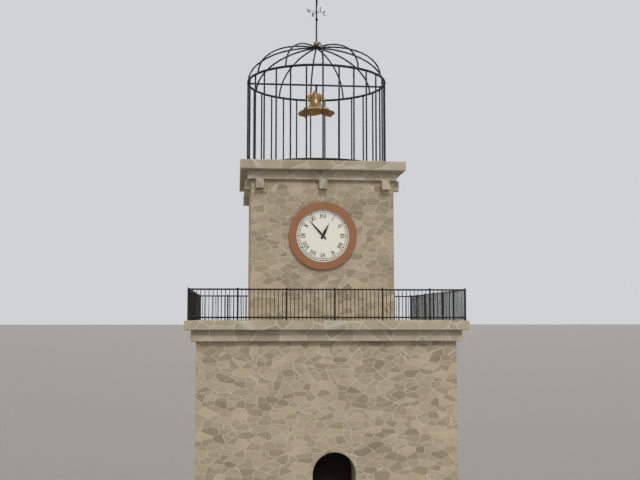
12:53
